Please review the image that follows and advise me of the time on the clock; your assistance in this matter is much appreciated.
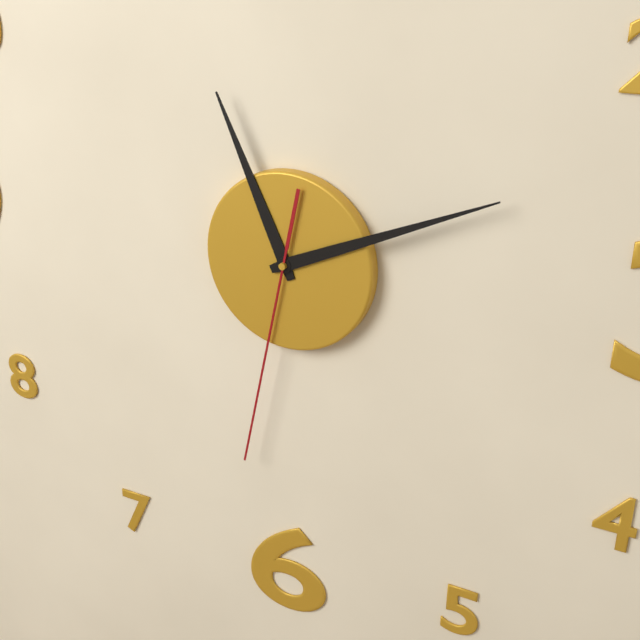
11:11:32
